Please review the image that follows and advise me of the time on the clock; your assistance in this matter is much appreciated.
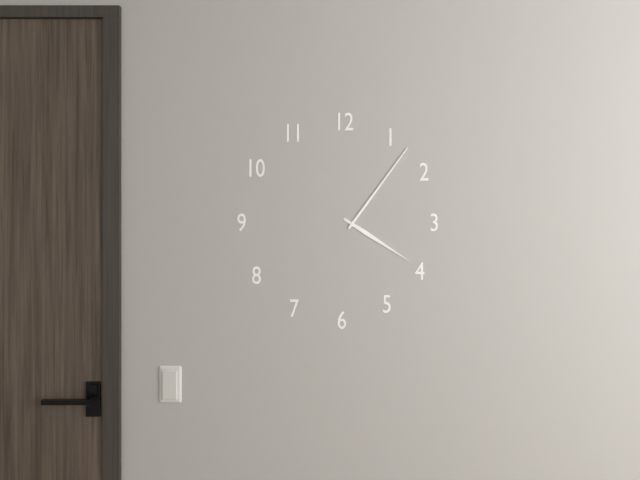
4:06
